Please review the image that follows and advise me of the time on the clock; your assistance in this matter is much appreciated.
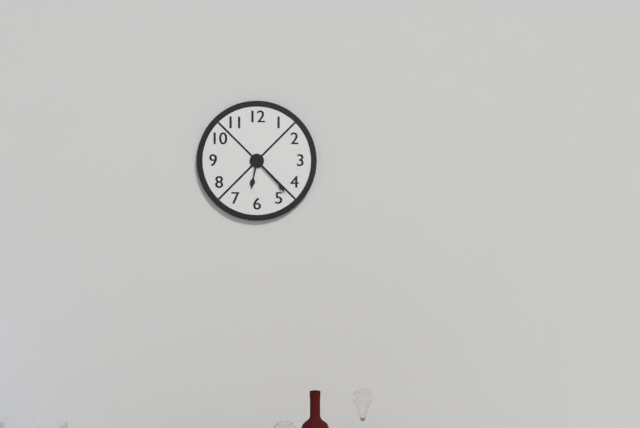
6:23
